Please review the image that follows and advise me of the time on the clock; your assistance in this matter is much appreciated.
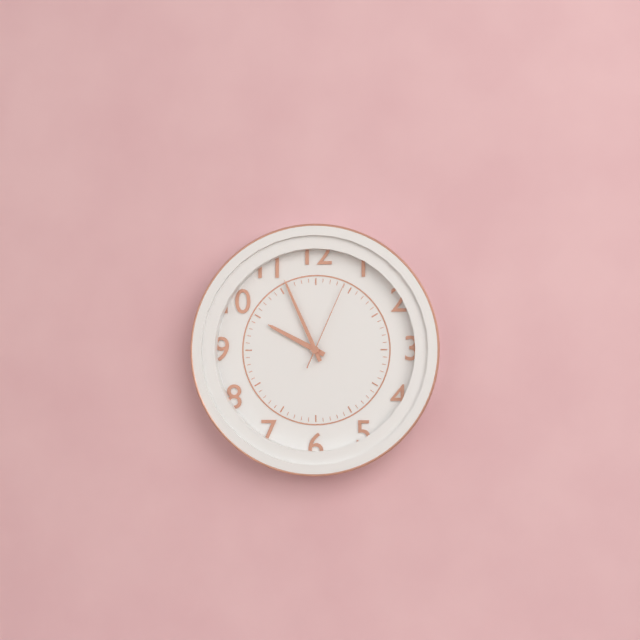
9:56:04
